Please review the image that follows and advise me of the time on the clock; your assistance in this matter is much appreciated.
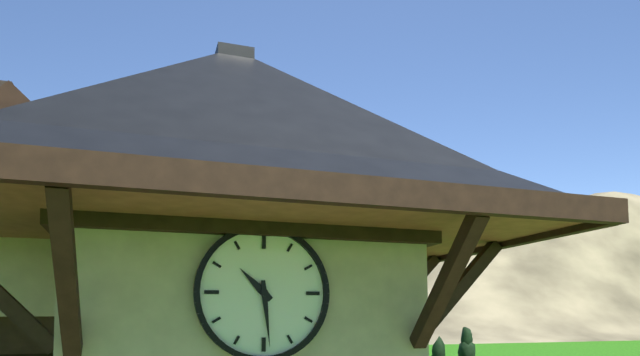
10:29
